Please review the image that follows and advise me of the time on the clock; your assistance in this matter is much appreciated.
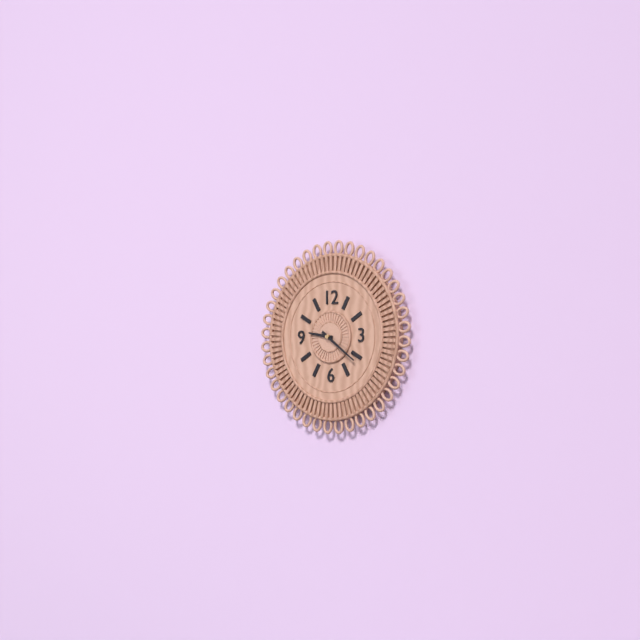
9:21
